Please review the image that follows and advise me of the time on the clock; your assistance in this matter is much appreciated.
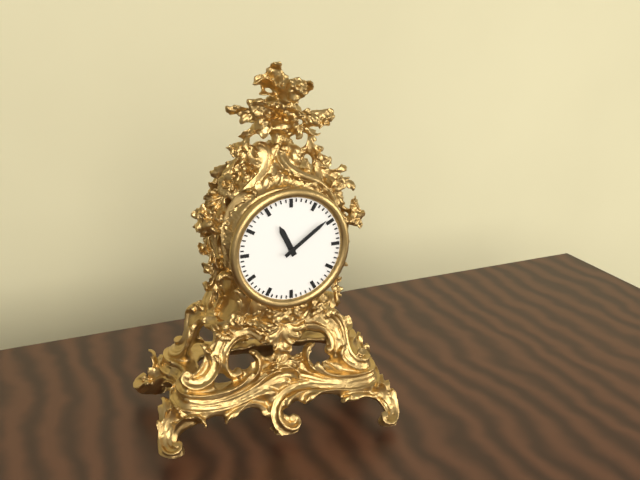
11:09
